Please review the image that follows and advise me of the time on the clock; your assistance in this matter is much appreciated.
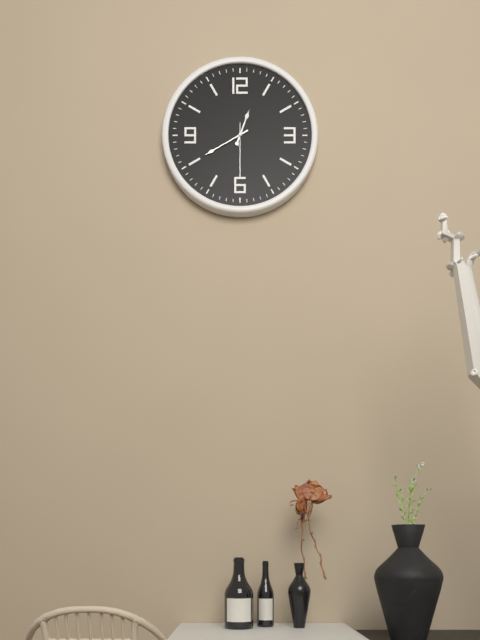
12:40:30
